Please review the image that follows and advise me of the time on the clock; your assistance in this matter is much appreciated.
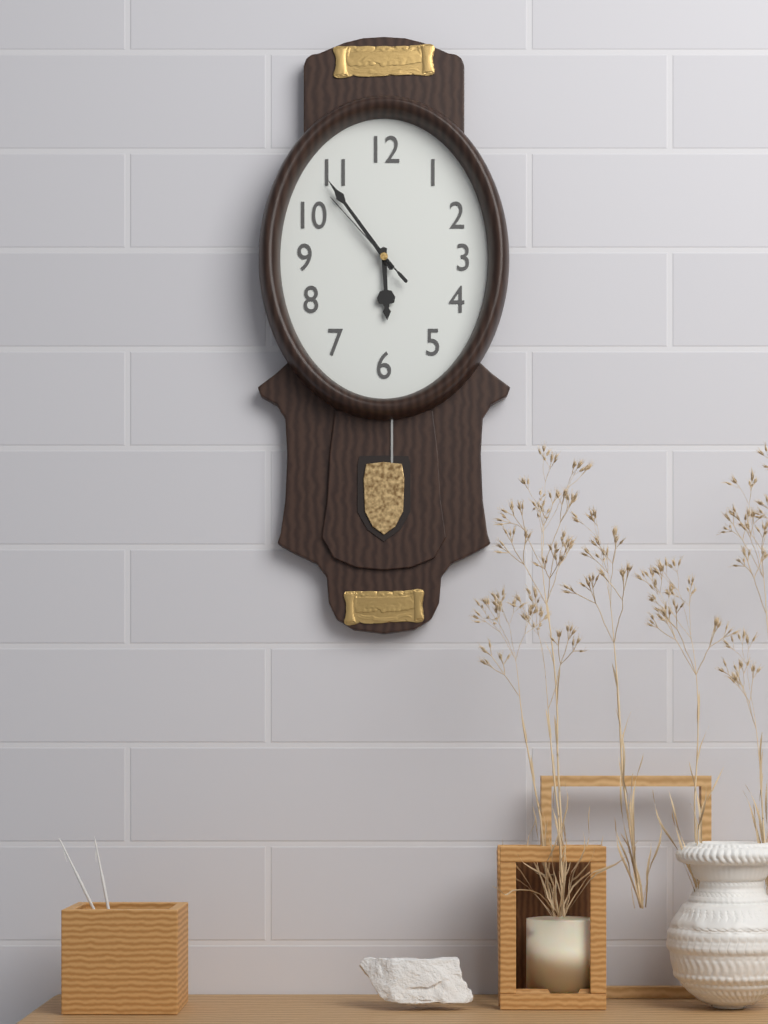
5:54:53
